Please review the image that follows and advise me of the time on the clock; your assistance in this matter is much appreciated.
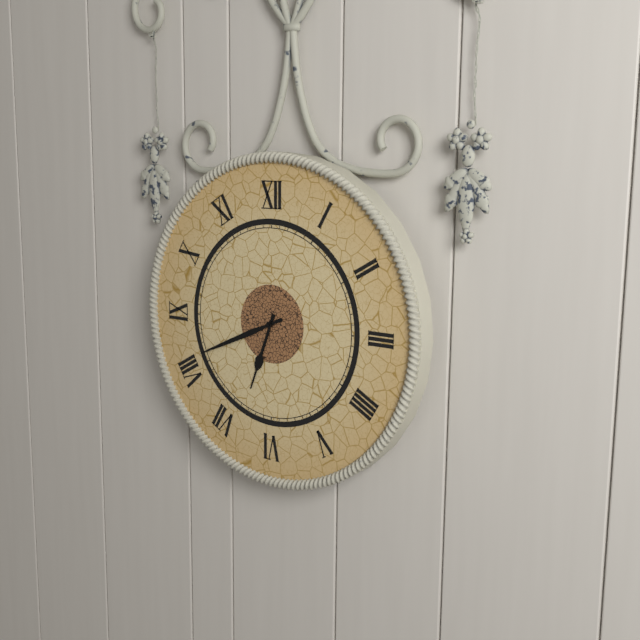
6:41
